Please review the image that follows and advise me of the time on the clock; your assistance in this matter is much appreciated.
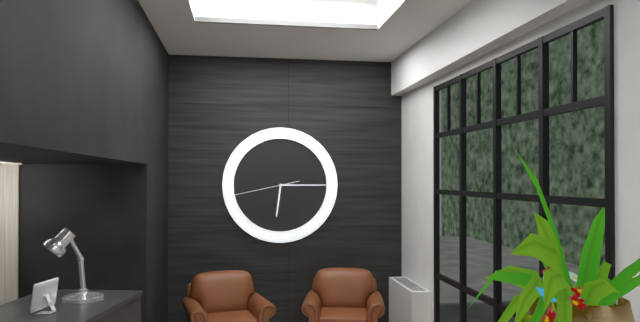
6:15:43
